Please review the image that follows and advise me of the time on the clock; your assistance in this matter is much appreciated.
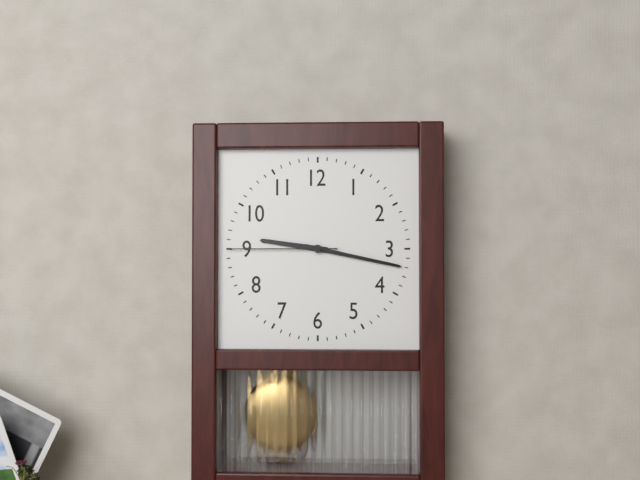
9:17:45
